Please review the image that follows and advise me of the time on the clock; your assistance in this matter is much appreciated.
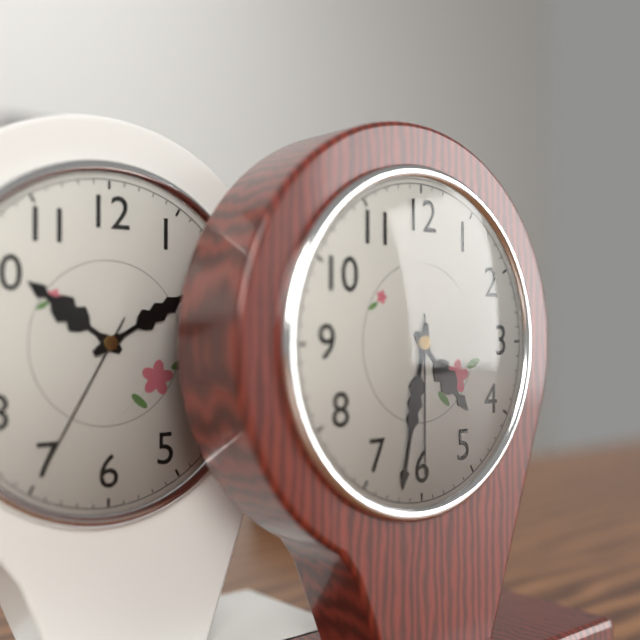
4:32:30
